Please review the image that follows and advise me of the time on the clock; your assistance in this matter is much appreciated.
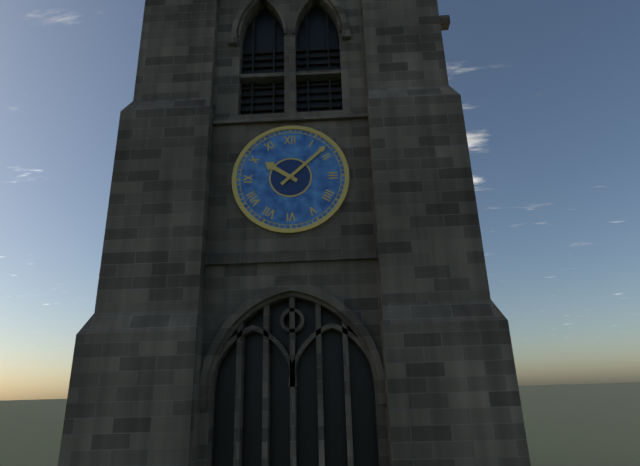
10:08
